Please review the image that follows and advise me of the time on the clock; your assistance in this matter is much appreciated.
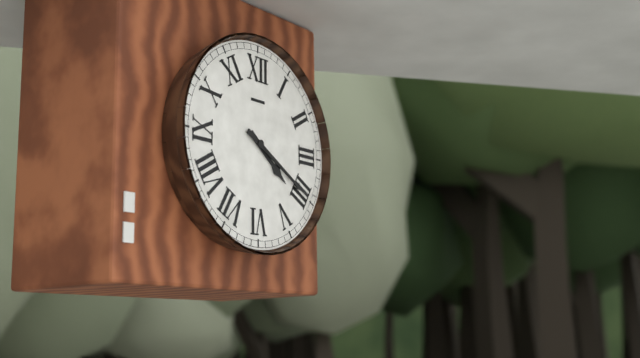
4:20
